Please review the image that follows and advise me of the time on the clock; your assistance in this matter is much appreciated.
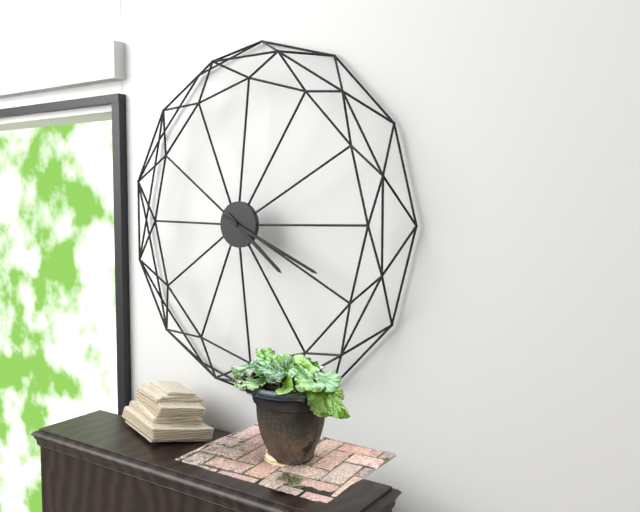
4:19
